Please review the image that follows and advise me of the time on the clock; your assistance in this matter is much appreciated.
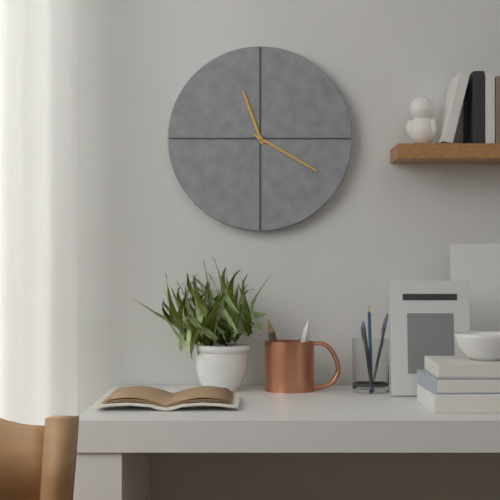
11:20
